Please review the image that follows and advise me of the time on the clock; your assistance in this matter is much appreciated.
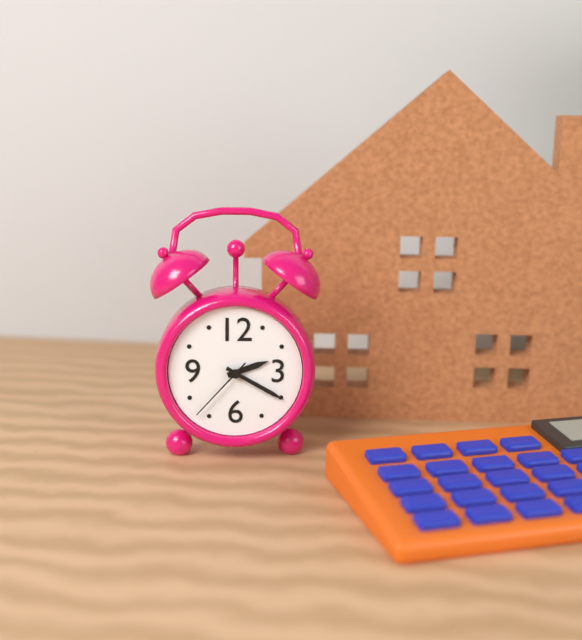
2:20:37
